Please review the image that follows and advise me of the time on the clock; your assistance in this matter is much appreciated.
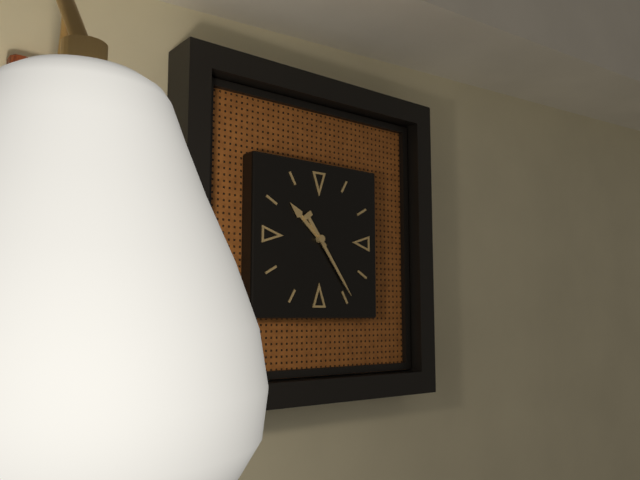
10:24
